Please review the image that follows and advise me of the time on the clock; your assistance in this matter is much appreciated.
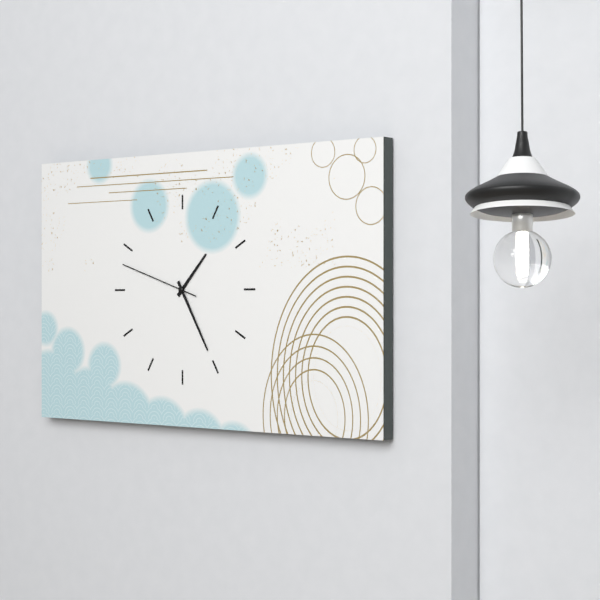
1:25:48
